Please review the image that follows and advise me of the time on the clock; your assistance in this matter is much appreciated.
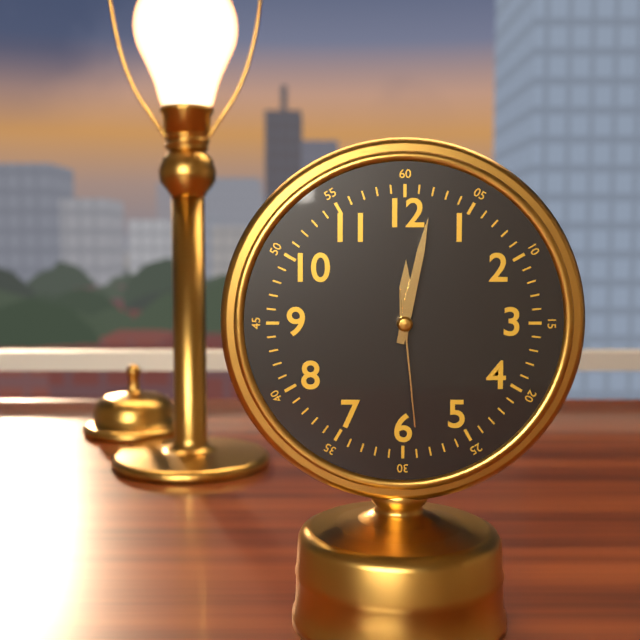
12:02:29
